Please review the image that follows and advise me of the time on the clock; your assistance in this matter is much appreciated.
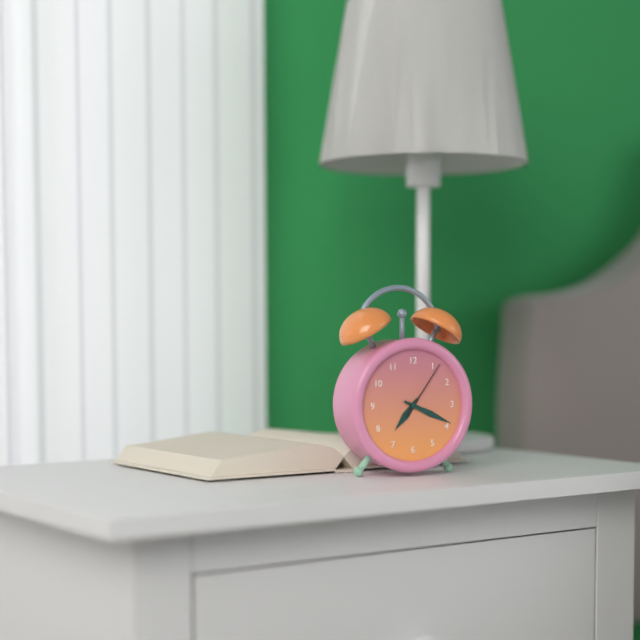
7:19:06
